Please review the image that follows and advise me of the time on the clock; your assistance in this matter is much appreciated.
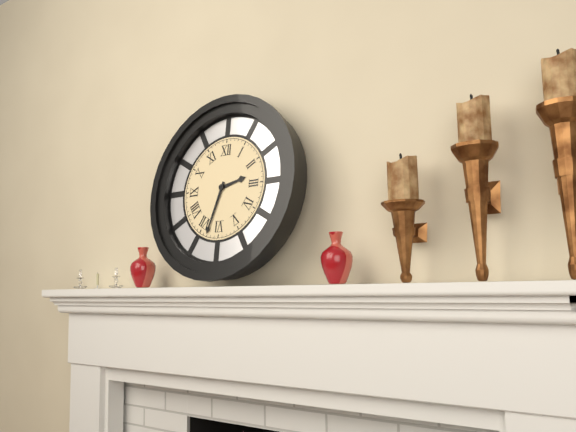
2:33
